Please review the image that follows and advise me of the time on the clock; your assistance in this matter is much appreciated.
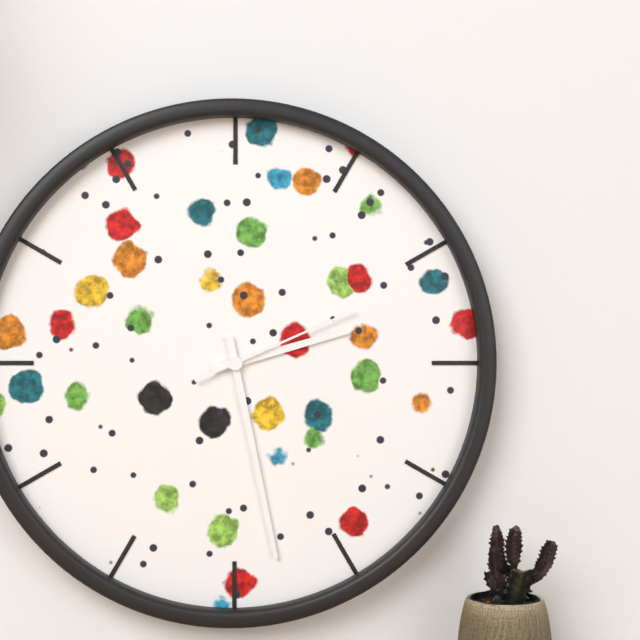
2:28:11
